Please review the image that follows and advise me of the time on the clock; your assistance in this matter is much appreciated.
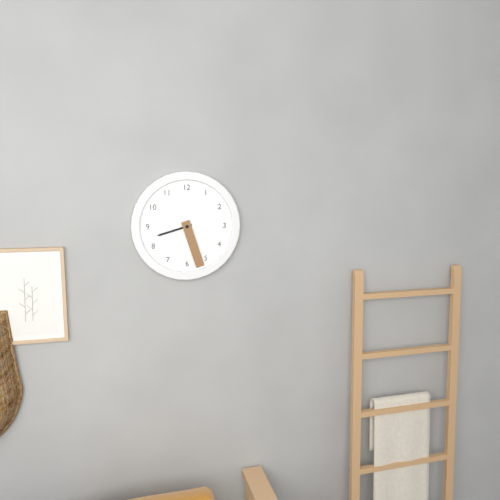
8:27
